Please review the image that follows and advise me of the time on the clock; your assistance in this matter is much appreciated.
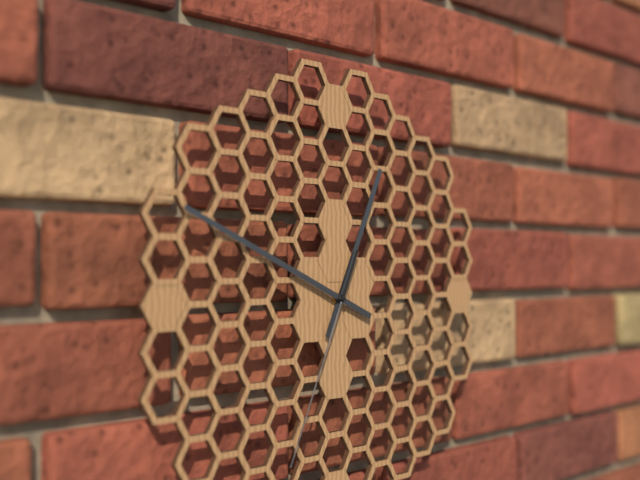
12:49:34
